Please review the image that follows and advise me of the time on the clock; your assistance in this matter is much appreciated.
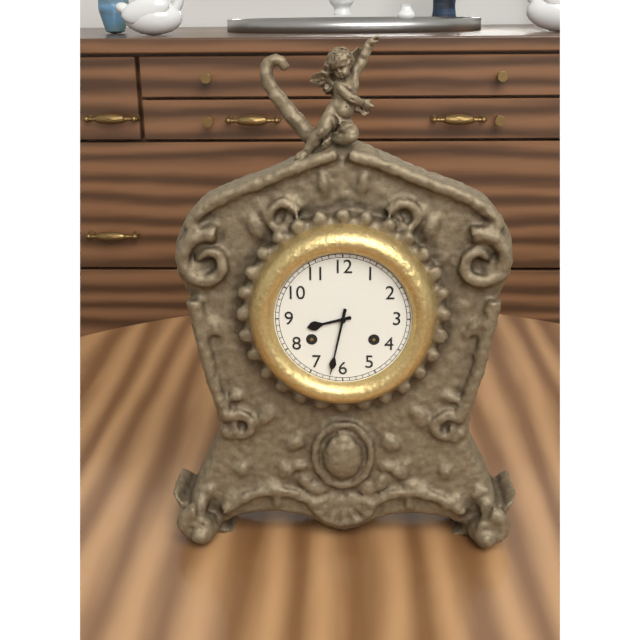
8:32
